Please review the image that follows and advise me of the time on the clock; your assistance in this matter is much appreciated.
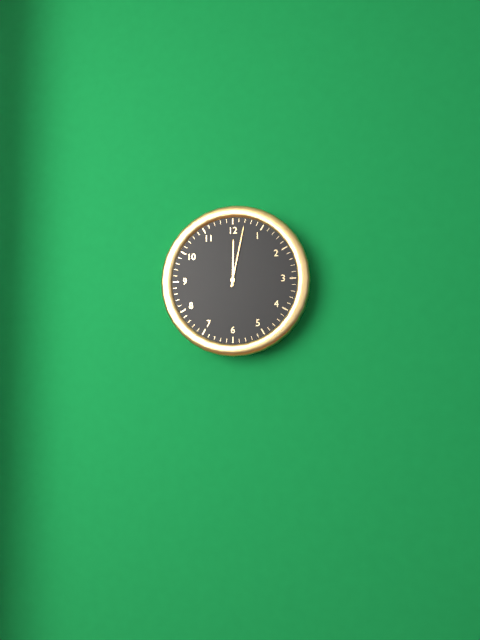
12:02
